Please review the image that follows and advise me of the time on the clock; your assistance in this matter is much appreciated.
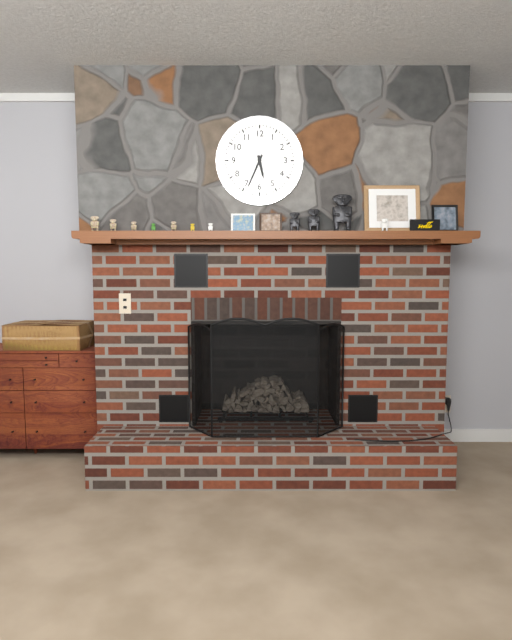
5:34
